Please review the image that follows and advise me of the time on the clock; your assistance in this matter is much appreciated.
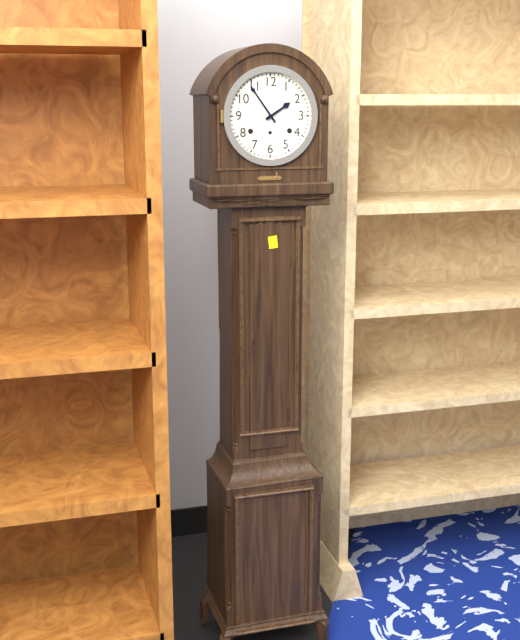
1:54
